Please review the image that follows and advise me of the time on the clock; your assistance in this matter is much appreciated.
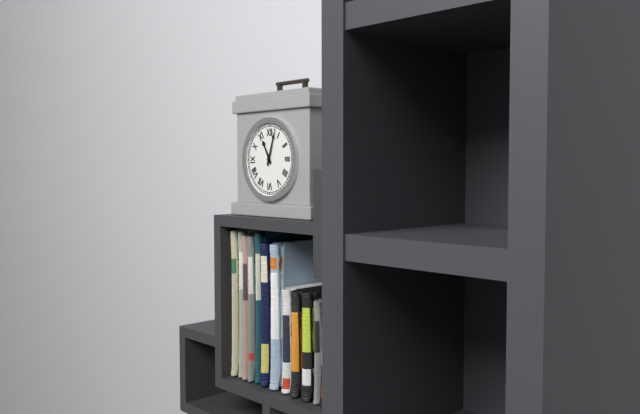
11:03
